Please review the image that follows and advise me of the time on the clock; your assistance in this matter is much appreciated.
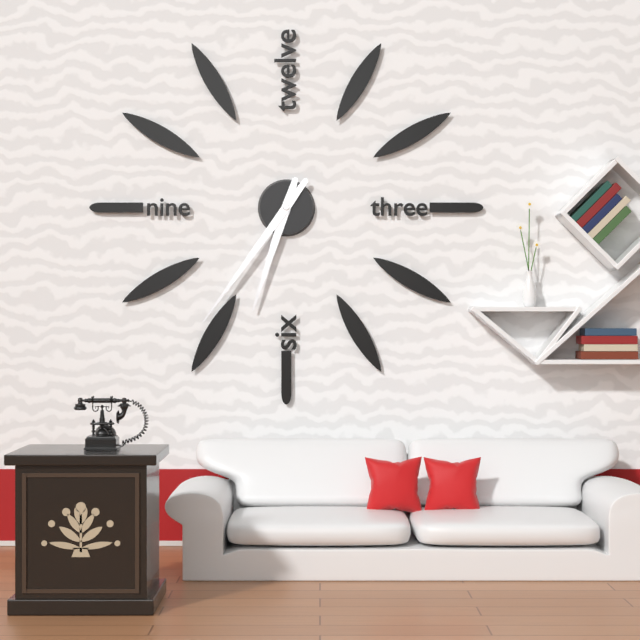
6:36
